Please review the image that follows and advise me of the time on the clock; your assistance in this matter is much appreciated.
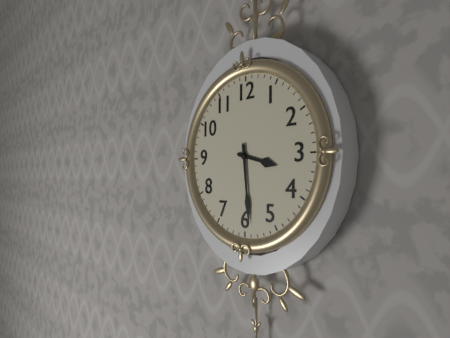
3:29
